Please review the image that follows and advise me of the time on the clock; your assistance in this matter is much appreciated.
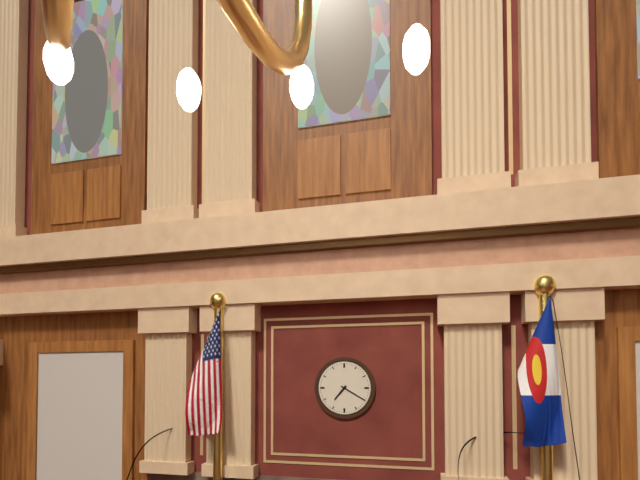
7:20
